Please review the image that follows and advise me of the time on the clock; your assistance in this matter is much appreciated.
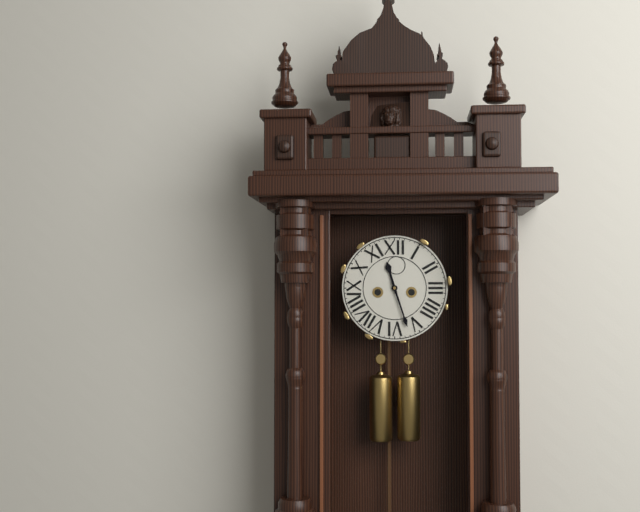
11:27
